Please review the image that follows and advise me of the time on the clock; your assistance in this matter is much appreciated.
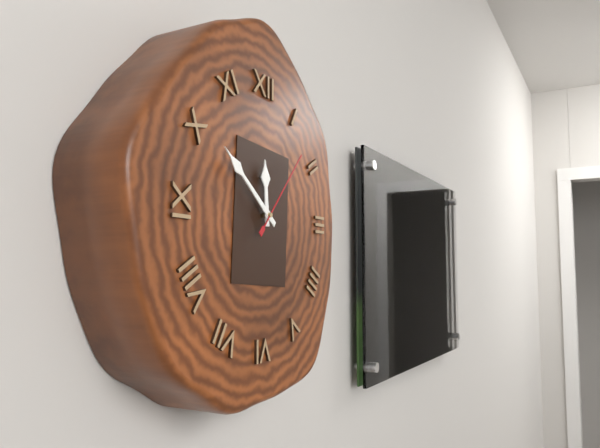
11:51:07
